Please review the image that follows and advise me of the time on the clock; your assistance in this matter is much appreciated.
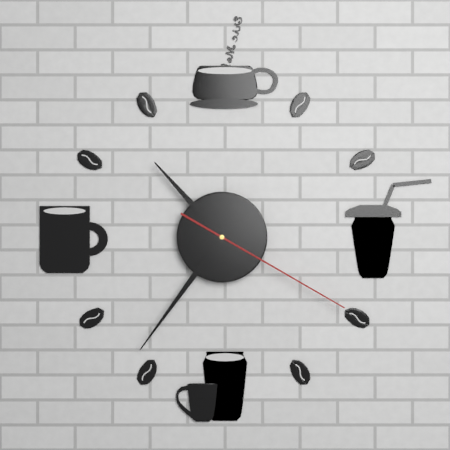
10:36:20
